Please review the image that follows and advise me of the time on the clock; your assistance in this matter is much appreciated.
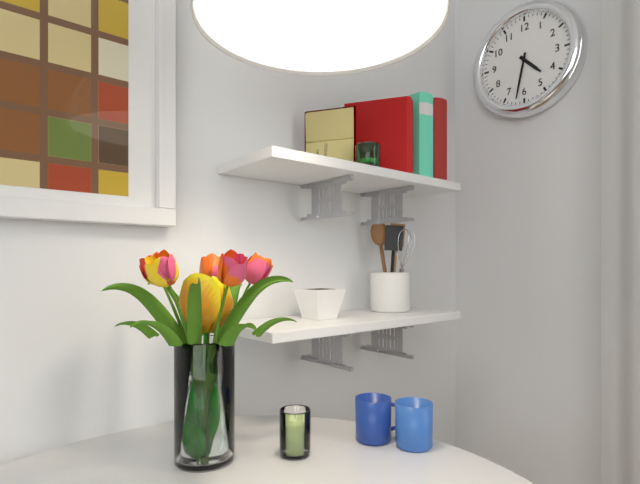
4:32
